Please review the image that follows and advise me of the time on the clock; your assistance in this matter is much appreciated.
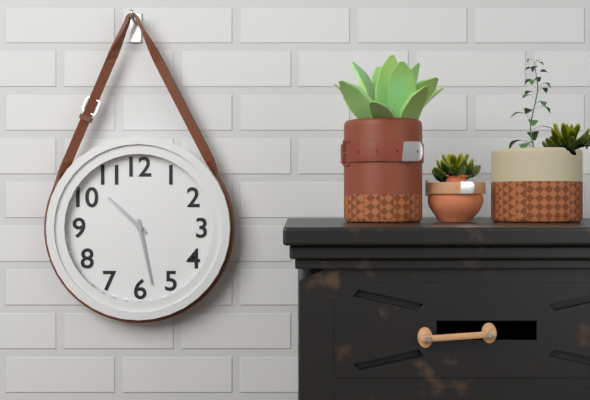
10:28
